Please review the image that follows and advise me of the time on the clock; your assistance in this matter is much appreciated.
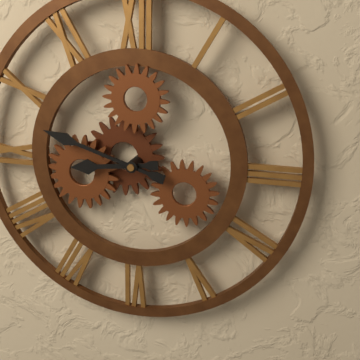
8:48
